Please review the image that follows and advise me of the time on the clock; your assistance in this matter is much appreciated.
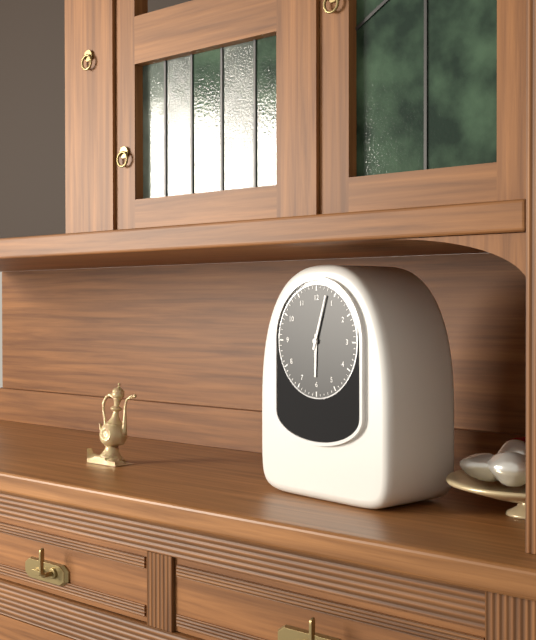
6:03
